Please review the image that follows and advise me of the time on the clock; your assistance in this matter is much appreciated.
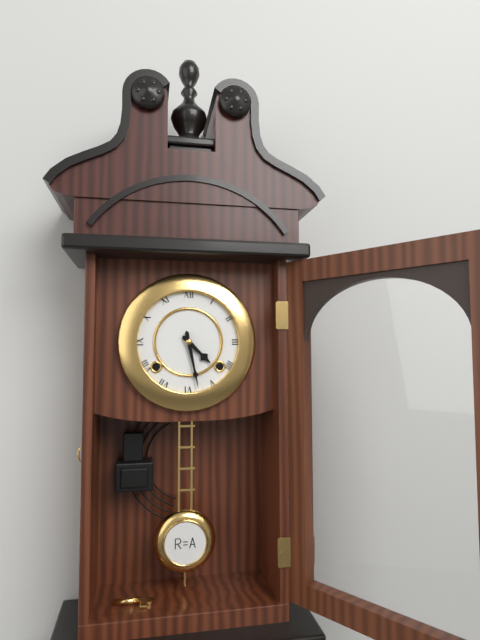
4:28
